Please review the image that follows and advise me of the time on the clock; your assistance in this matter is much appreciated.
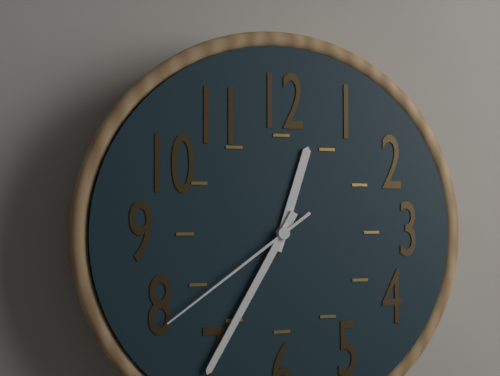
12:35:39
